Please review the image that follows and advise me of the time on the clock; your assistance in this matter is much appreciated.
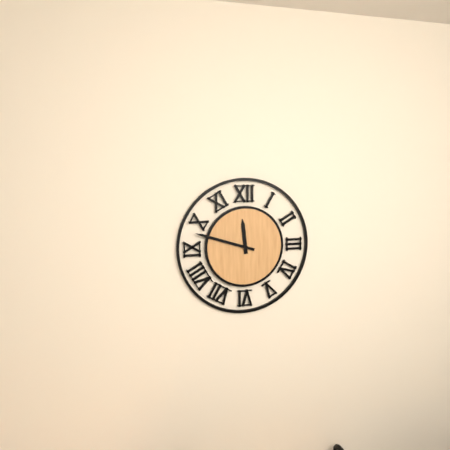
11:48
